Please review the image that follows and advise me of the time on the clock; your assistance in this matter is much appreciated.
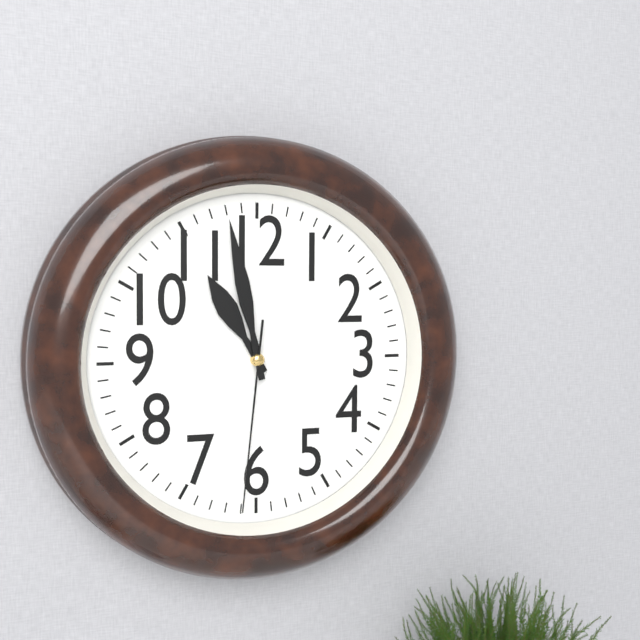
10:58:31
